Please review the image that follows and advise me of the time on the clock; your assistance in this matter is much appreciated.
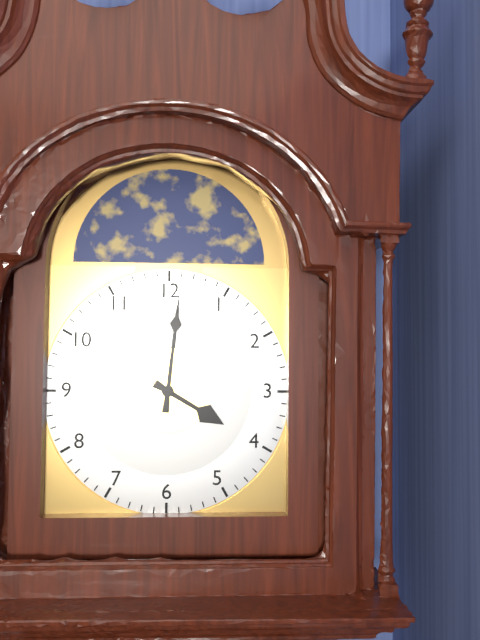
4:01
